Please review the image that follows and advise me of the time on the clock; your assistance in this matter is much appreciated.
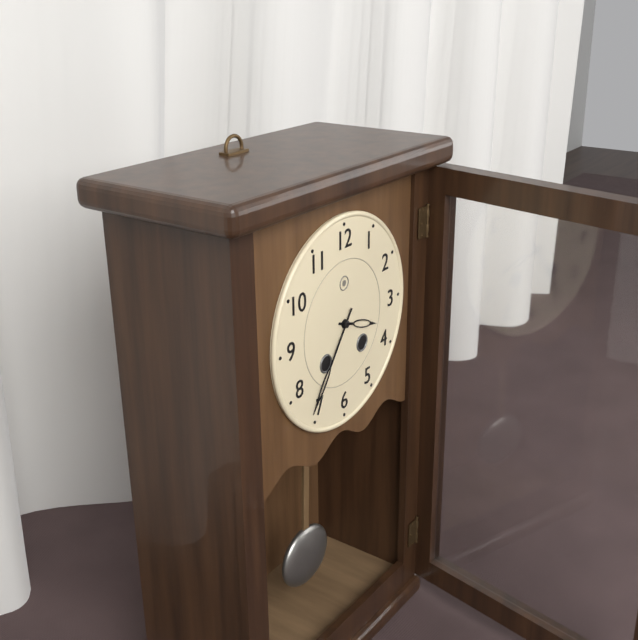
3:36
